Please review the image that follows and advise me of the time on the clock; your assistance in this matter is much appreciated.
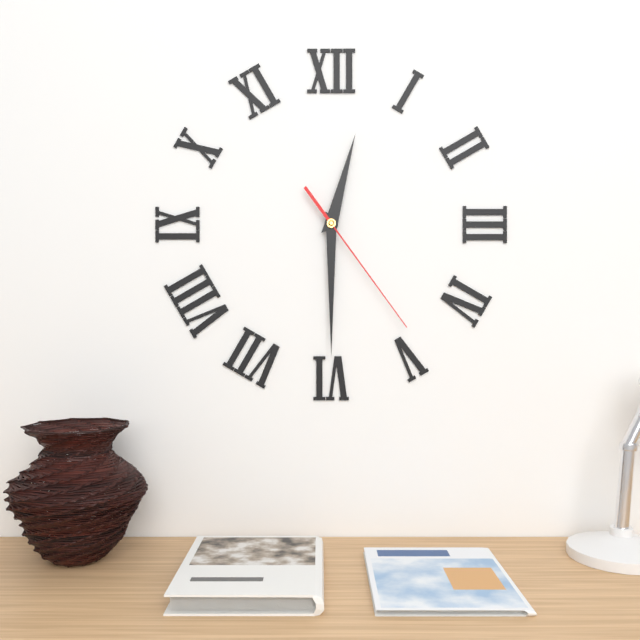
12:30:24
